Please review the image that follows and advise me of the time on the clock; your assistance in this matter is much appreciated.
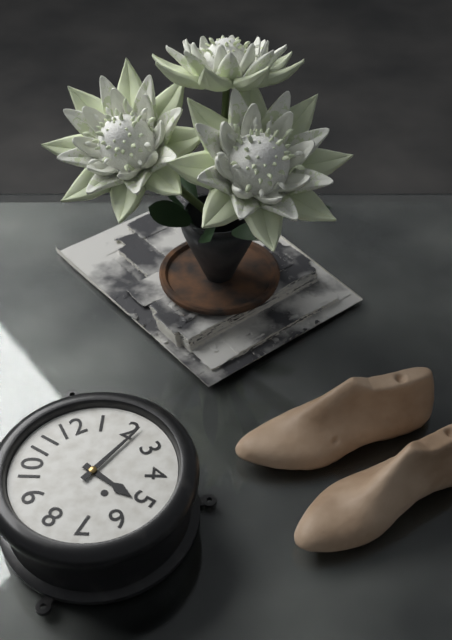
5:11
